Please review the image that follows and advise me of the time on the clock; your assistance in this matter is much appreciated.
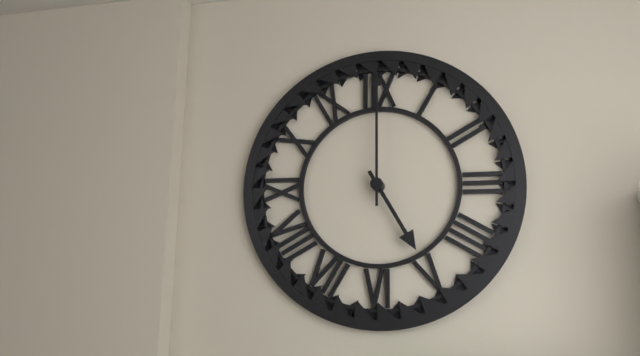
5:00
